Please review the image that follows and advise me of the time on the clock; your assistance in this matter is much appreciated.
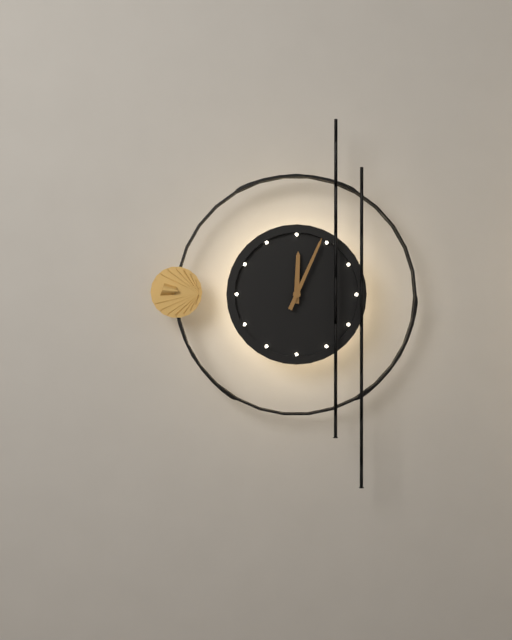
12:04
